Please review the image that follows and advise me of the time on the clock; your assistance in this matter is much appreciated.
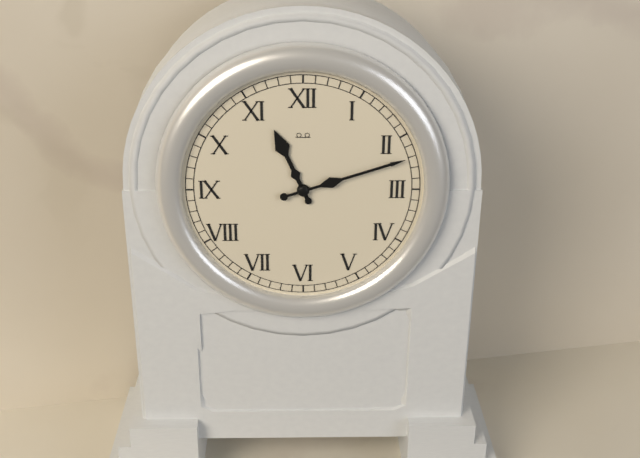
11:12
